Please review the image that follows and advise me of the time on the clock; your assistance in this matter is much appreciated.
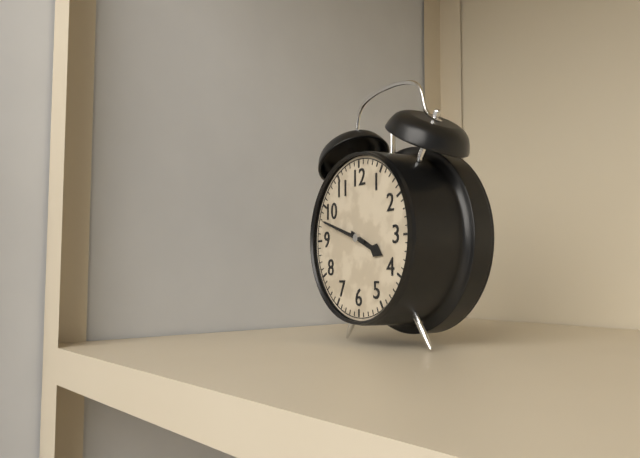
3:48
